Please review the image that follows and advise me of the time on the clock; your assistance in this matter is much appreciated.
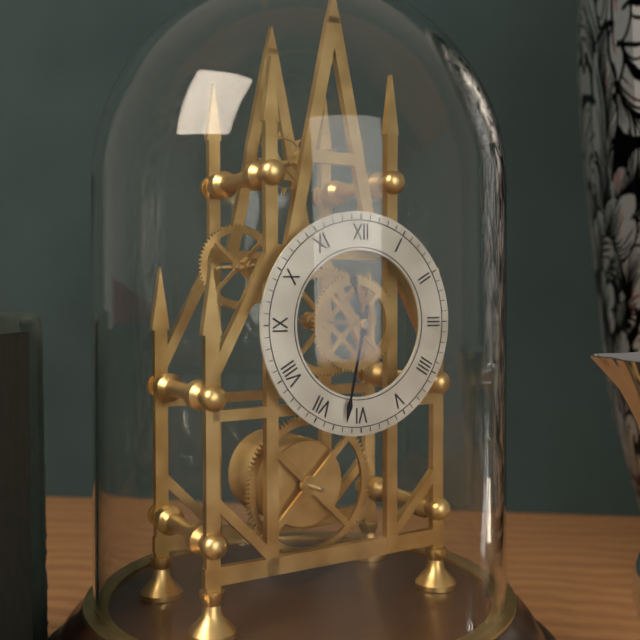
11:32
